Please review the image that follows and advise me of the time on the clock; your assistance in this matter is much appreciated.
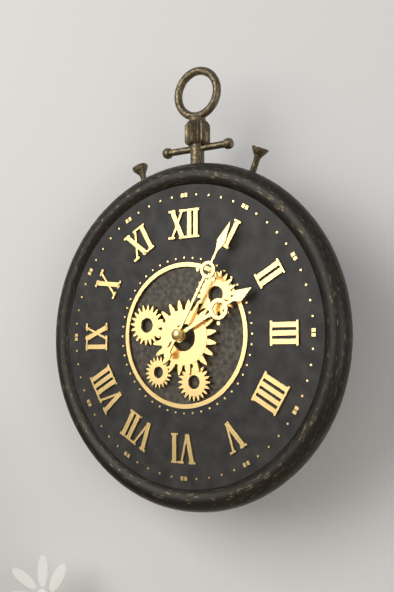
2:05
